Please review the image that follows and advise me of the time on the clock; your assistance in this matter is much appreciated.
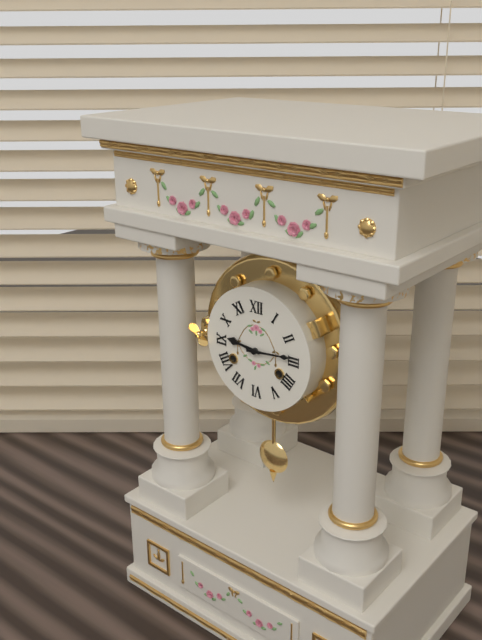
9:14
